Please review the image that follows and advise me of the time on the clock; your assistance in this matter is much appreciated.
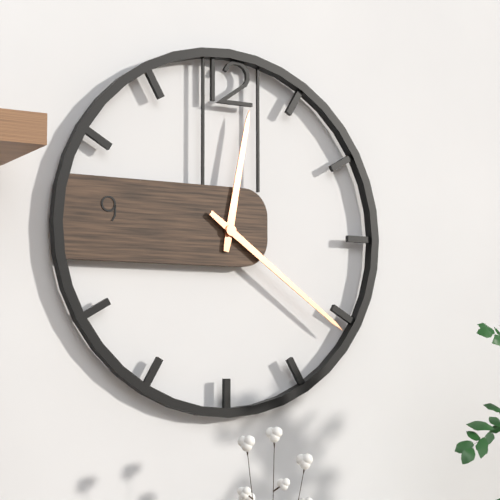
12:21
